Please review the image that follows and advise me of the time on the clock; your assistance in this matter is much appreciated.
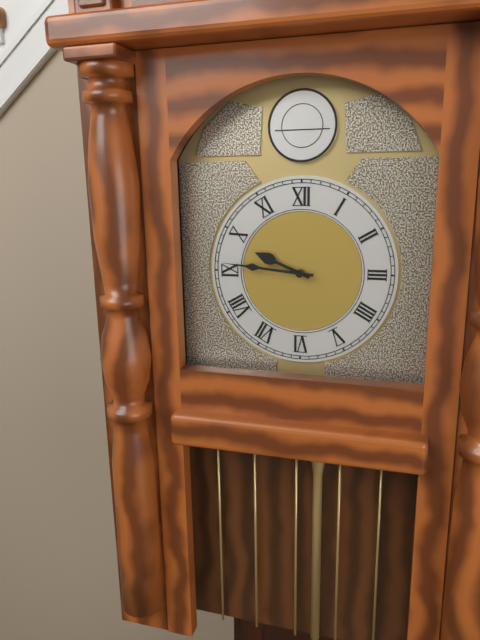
9:46
